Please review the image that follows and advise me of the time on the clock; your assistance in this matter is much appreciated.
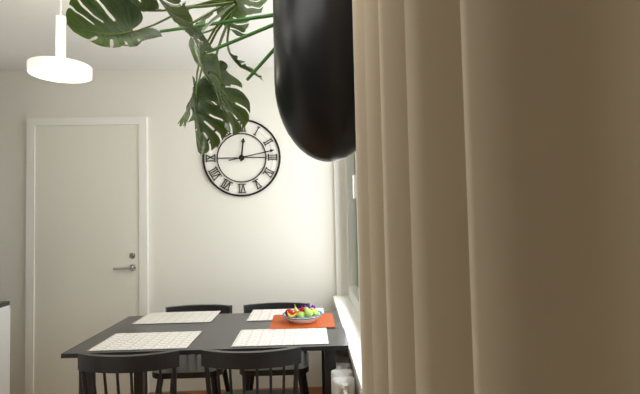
12:13
